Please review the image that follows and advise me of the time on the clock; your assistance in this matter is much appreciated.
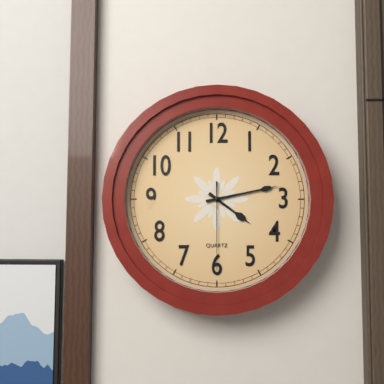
4:13:30
